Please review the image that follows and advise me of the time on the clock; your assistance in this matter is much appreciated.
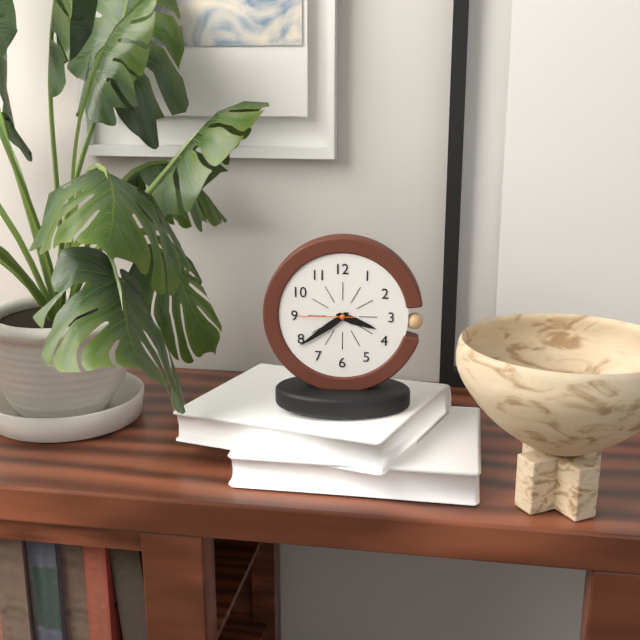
3:39:45
